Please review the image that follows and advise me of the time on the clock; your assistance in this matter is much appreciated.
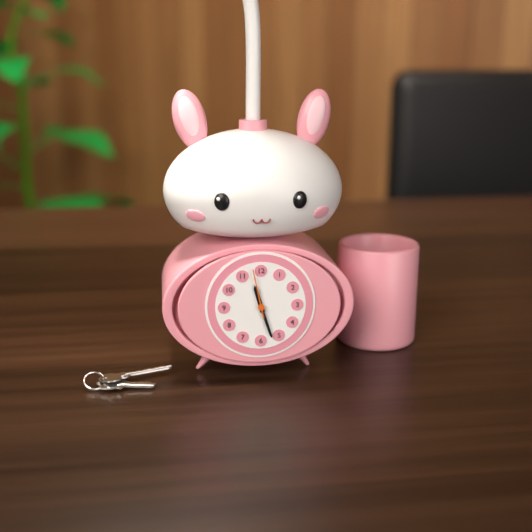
11:27
